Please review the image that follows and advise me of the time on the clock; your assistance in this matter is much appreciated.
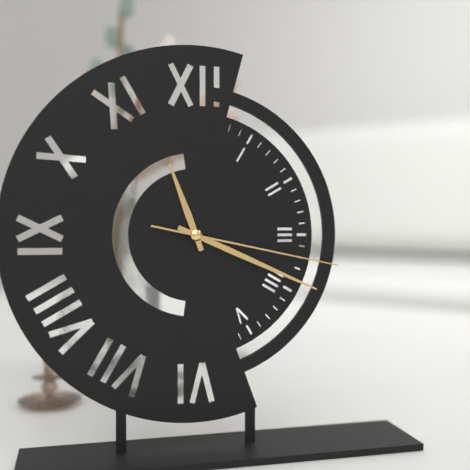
11:19:17
